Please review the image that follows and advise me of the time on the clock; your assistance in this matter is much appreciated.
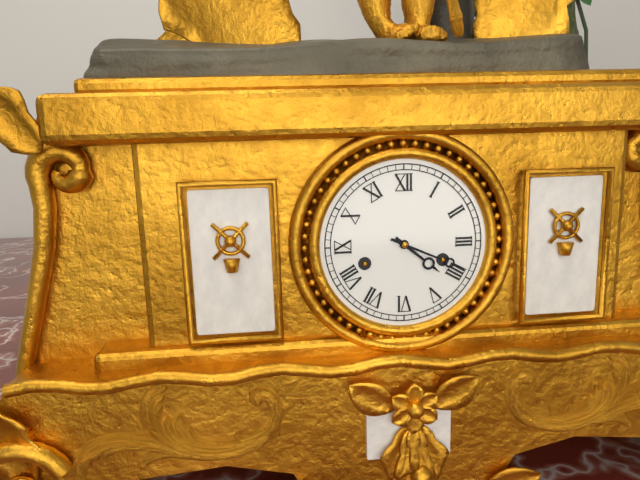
4:19
